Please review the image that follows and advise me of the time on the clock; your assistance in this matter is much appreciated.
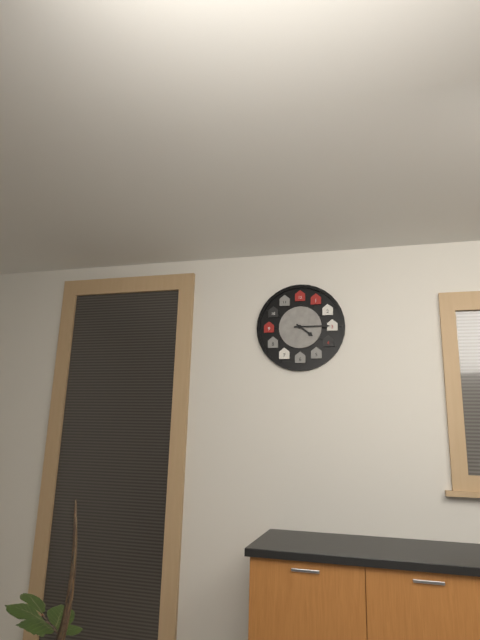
4:15
